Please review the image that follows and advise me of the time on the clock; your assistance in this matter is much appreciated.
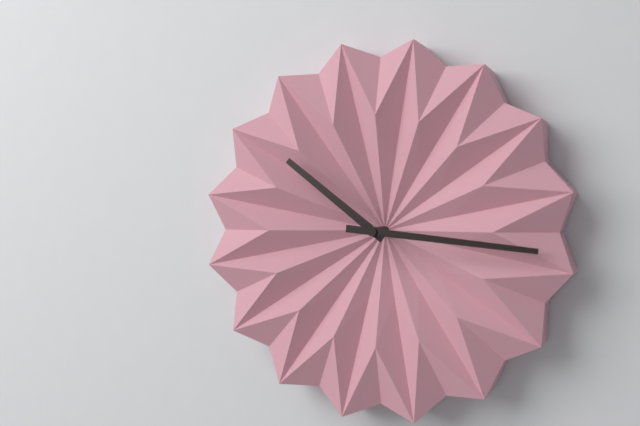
10:16
